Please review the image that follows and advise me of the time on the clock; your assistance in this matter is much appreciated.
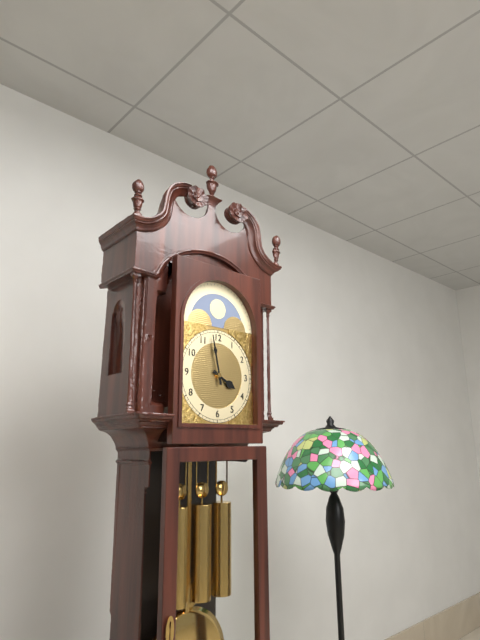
3:58
